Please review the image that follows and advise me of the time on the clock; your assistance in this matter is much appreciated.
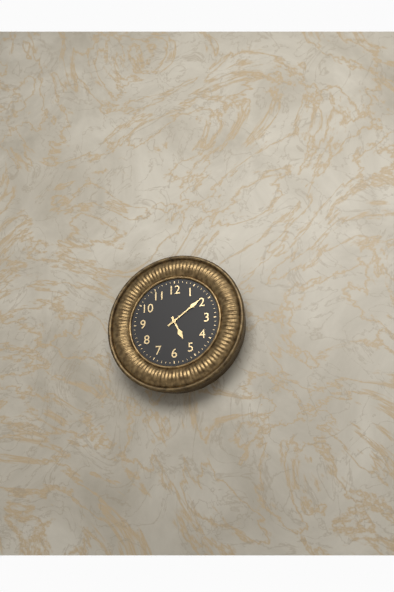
5:09
